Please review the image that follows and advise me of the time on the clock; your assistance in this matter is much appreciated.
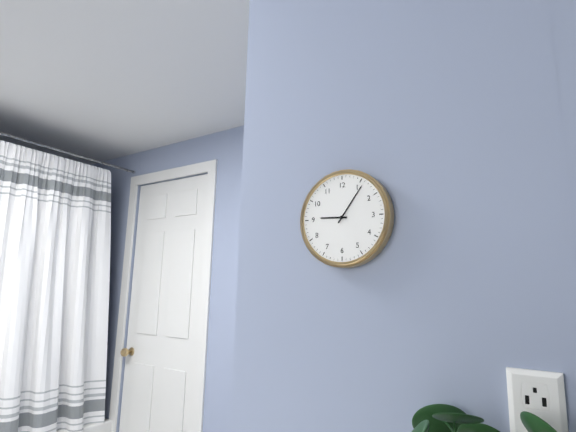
9:06
